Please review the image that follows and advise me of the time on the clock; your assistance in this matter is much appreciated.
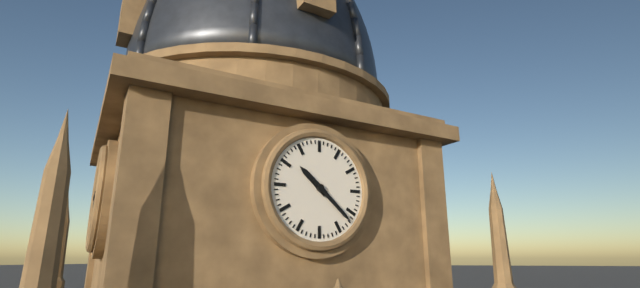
10:22
